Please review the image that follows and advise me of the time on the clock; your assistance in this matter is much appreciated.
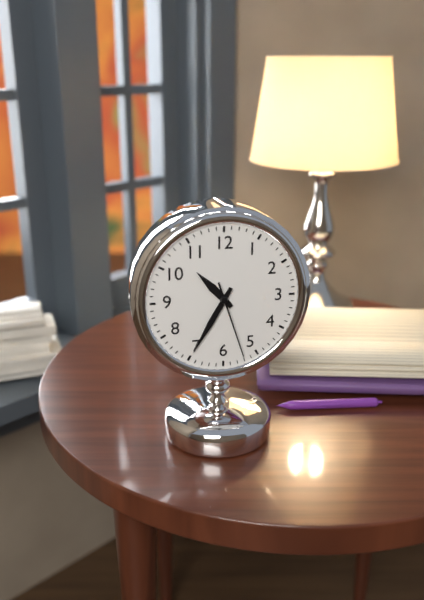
10:35:27
